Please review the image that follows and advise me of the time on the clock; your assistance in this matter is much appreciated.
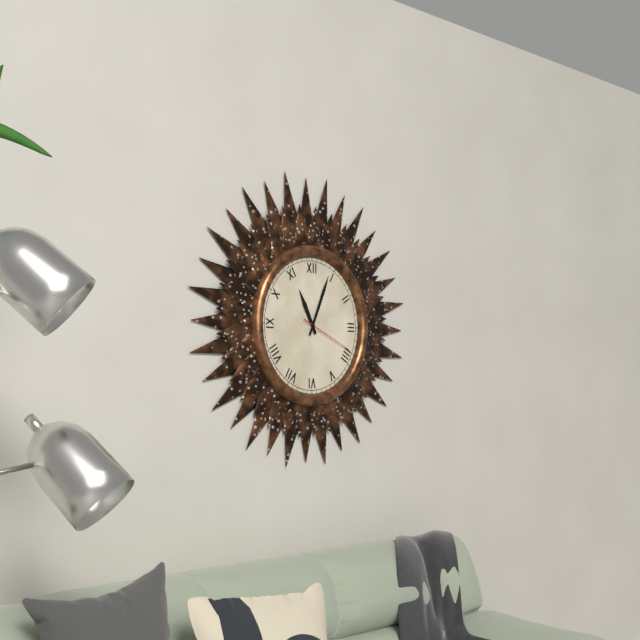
11:04:19
